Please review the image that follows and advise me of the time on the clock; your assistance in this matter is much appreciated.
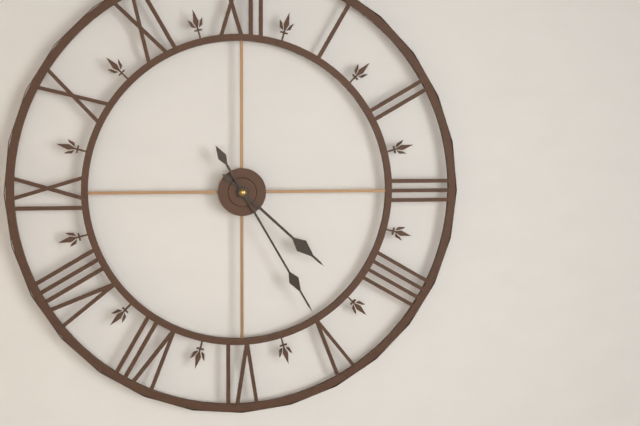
4:25
